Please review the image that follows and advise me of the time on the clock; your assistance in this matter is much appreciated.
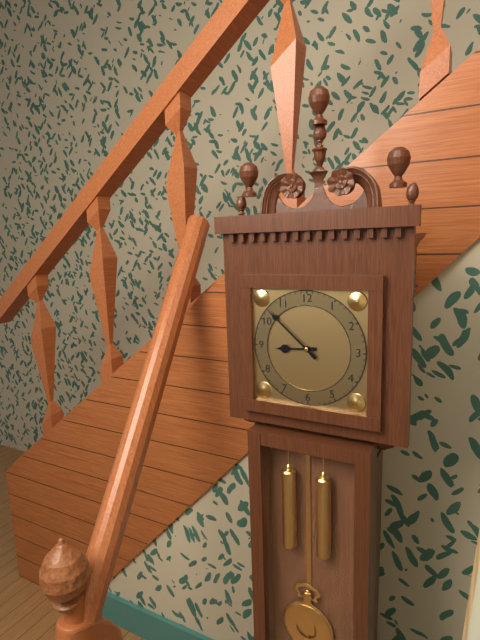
8:52
